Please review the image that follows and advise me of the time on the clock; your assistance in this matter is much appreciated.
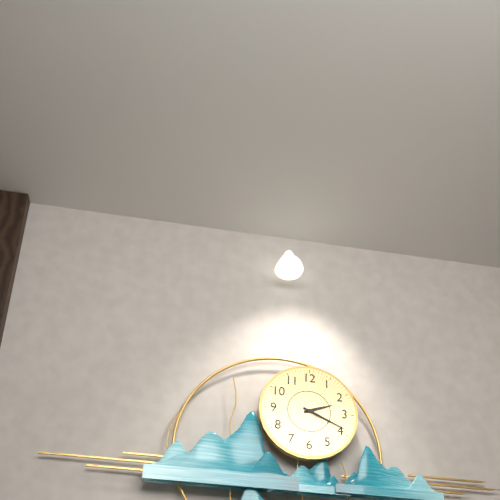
2:19
